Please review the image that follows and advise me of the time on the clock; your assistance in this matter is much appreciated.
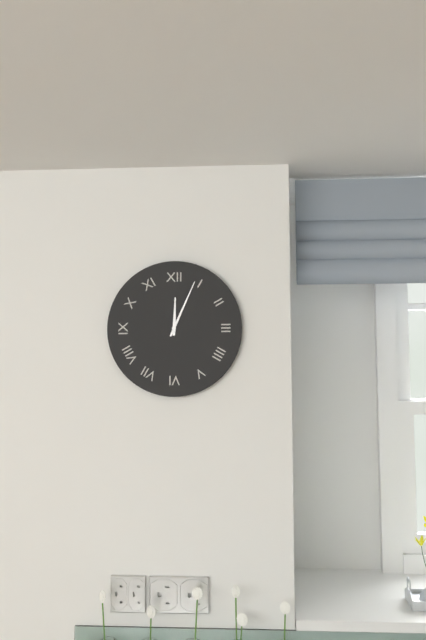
12:04
